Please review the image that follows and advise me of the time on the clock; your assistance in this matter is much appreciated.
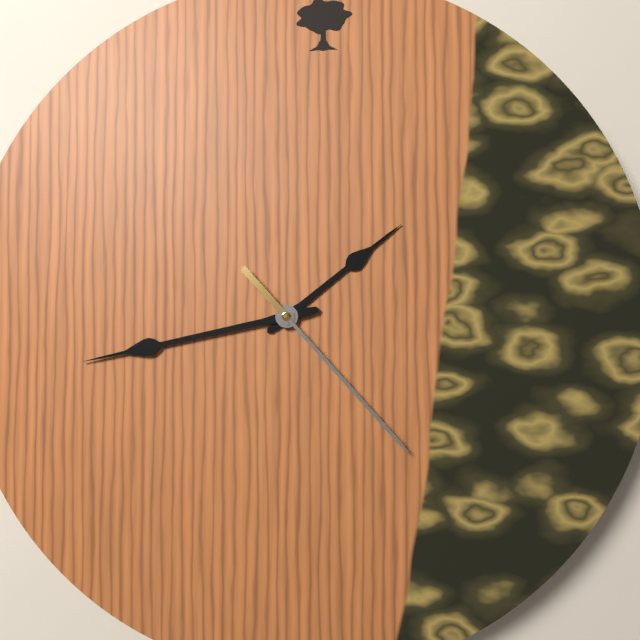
1:43:23
